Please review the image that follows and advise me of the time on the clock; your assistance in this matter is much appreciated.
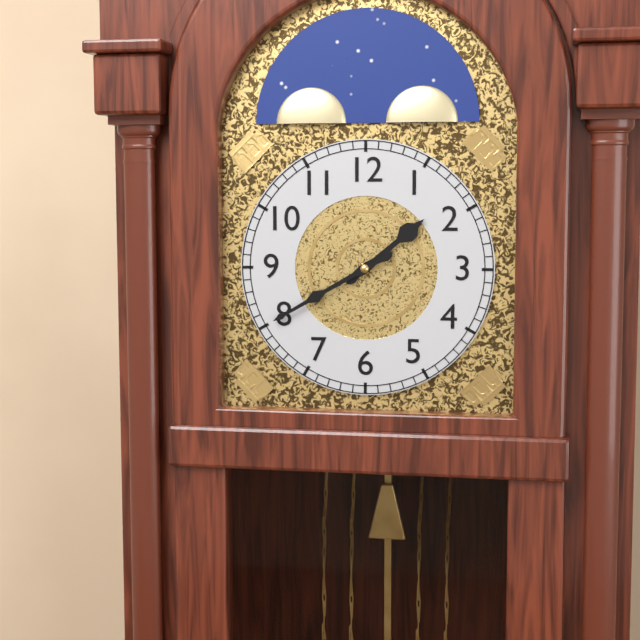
1:40
